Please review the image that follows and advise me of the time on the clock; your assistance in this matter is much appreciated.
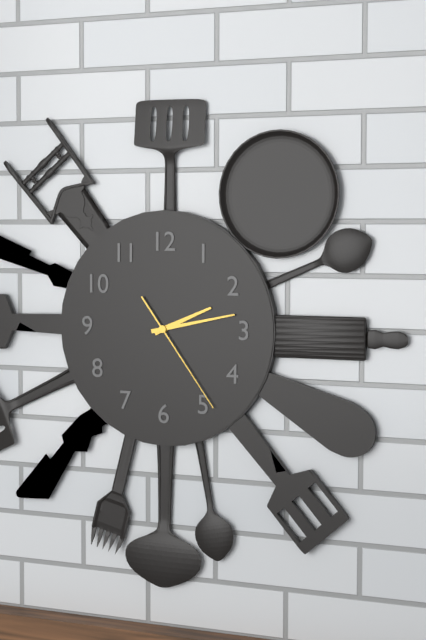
2:13:24
